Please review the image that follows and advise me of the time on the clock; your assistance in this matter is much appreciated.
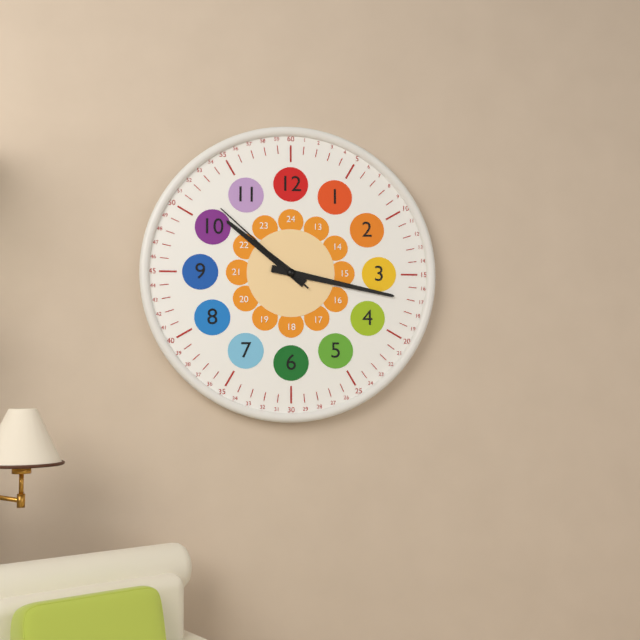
10:17:52
